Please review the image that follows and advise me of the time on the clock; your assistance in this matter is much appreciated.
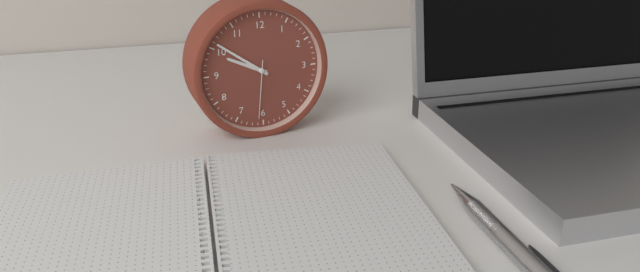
9:51:31
